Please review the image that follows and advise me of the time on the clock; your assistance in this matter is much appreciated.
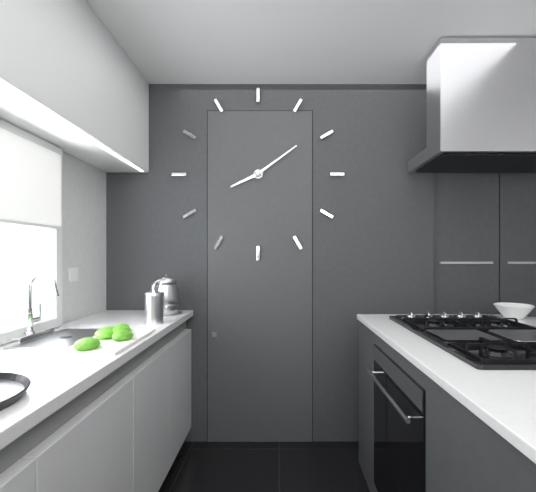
8:09
